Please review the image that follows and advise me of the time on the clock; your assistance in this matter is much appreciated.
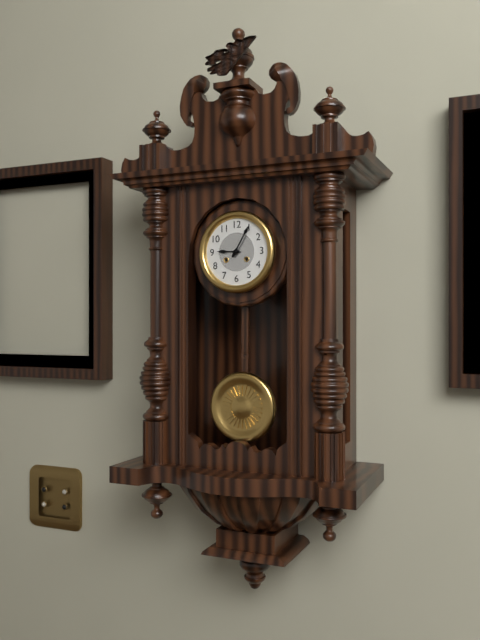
9:05
